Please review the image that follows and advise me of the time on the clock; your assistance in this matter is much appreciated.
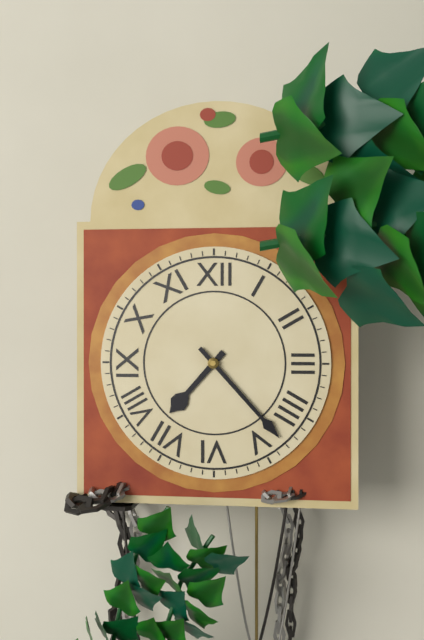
7:23
